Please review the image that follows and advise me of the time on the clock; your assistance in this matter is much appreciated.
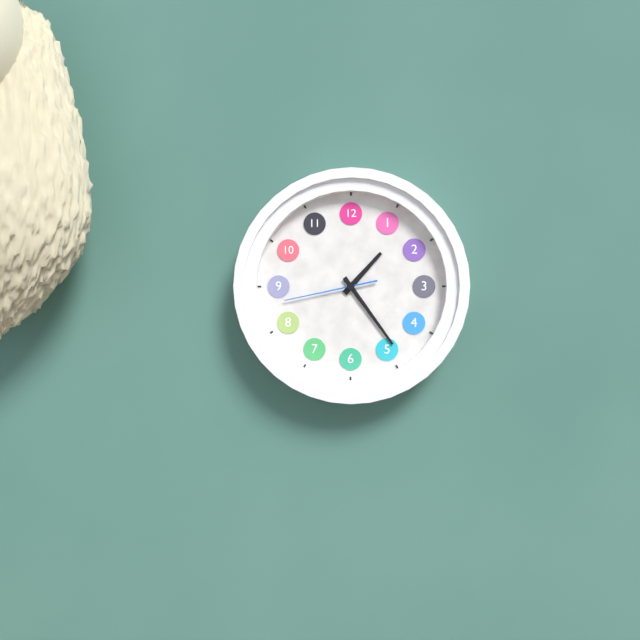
1:24:43
